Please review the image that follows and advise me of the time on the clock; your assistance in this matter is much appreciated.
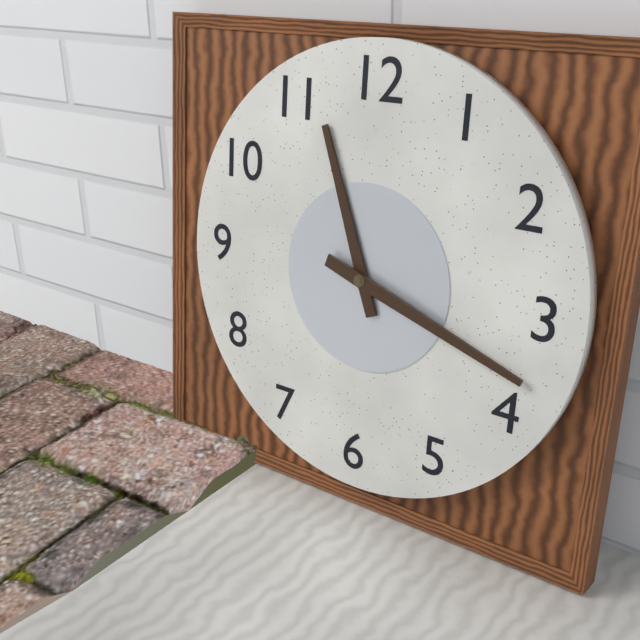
11:18
